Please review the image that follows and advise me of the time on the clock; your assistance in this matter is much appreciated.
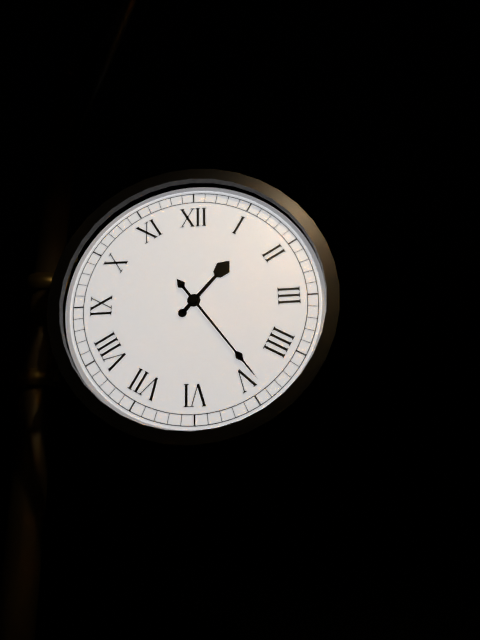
1:24
